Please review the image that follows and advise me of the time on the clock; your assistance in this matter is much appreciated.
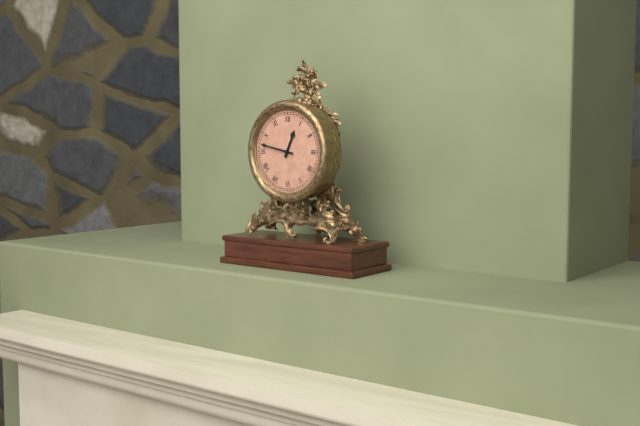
12:47
